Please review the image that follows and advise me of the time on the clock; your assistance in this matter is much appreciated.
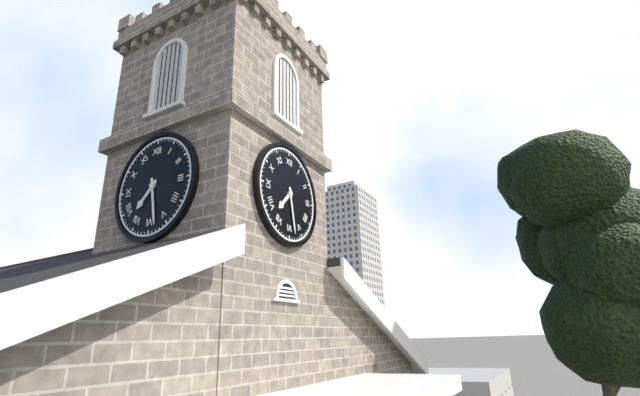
7:28
